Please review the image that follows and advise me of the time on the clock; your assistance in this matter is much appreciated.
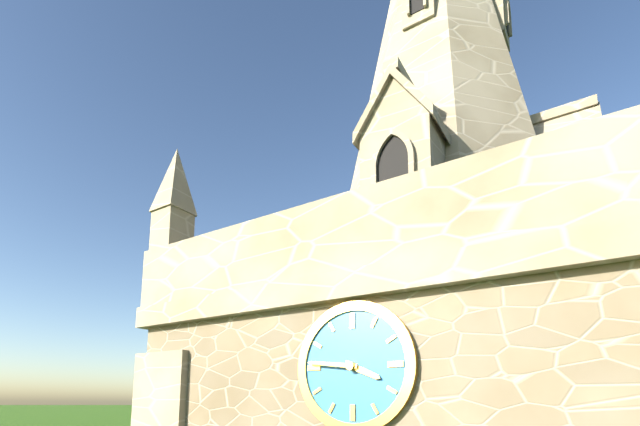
3:46
